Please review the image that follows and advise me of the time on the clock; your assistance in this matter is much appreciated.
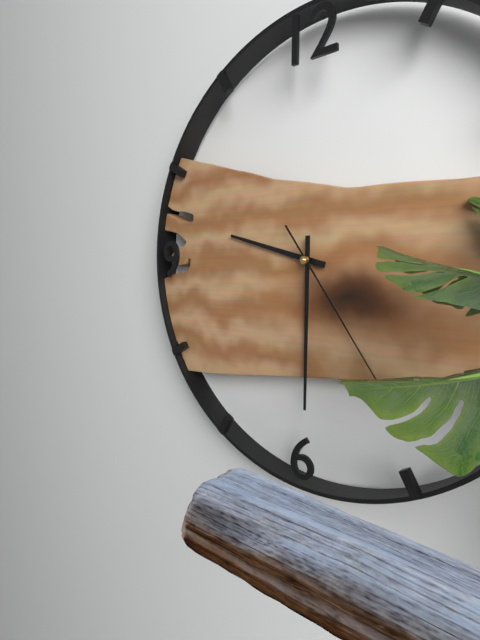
9:30:24
